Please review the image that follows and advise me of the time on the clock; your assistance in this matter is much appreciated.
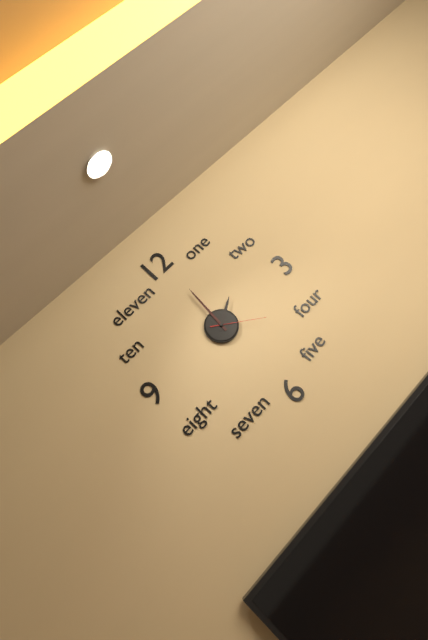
2:01:21
